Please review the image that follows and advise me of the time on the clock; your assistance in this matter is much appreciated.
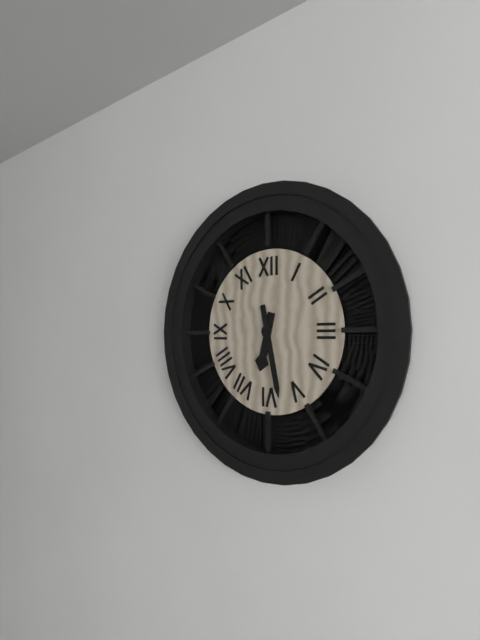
6:28
